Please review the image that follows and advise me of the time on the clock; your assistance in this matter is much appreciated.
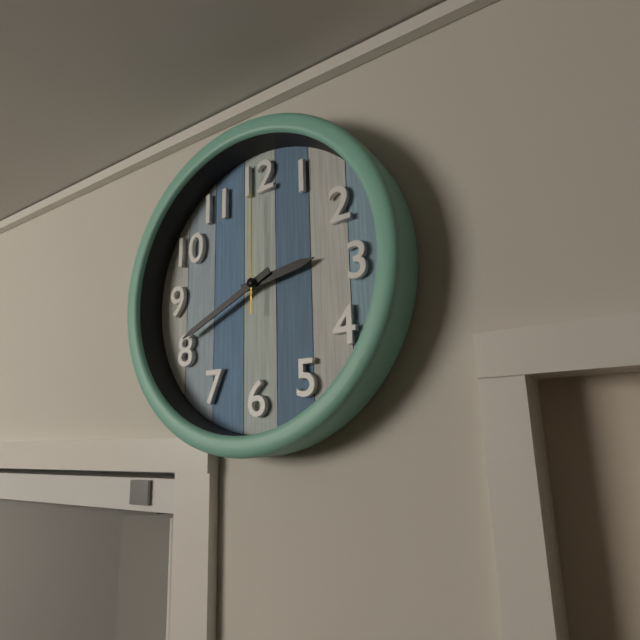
2:41:00
